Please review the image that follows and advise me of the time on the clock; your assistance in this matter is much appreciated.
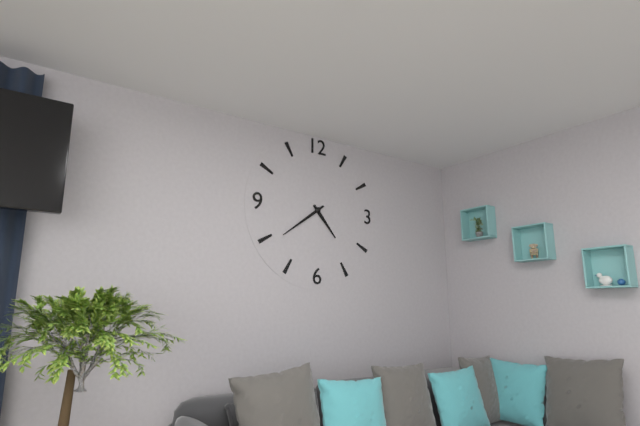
4:39
